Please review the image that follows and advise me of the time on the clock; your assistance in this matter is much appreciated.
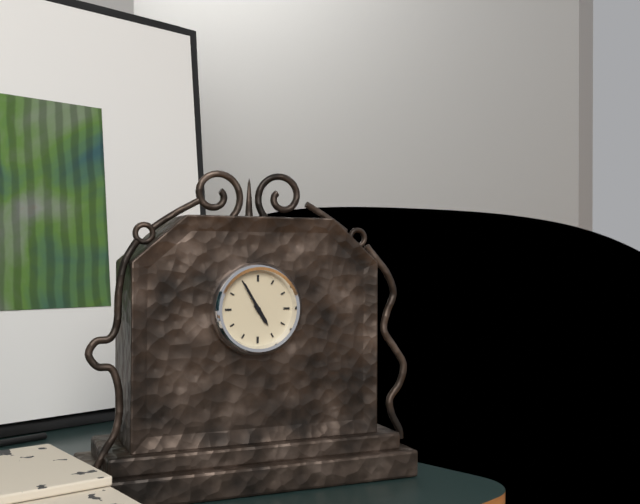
4:55
